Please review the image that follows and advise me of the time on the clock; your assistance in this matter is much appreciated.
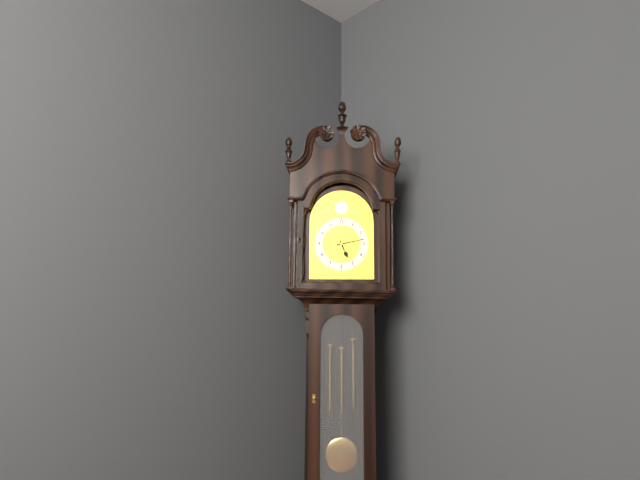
5:13
